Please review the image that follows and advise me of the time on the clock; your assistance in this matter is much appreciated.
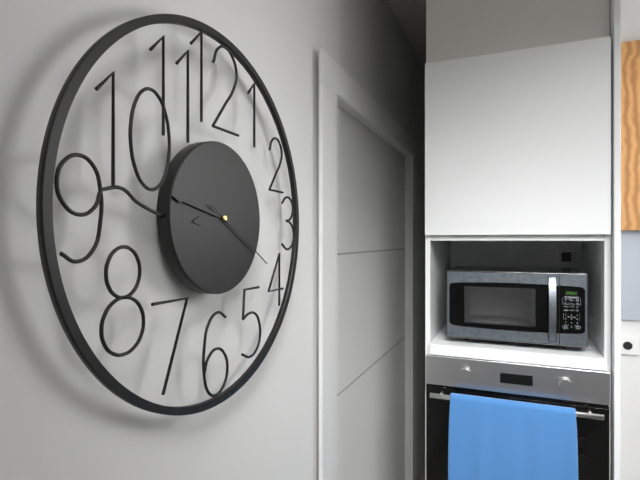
8:47:20
